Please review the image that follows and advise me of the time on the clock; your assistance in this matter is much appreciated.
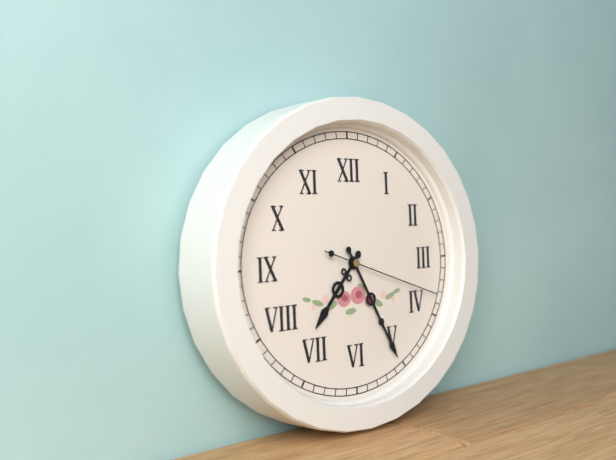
7:25:18
